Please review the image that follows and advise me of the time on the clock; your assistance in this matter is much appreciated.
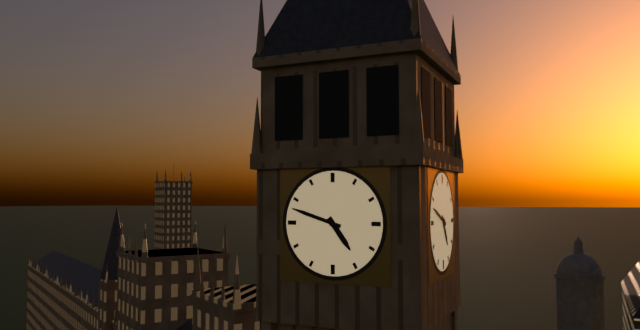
4:48
